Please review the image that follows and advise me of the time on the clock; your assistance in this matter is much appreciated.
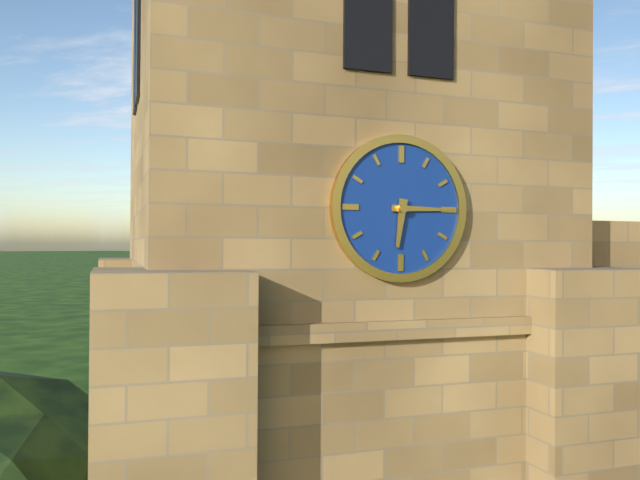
6:15
